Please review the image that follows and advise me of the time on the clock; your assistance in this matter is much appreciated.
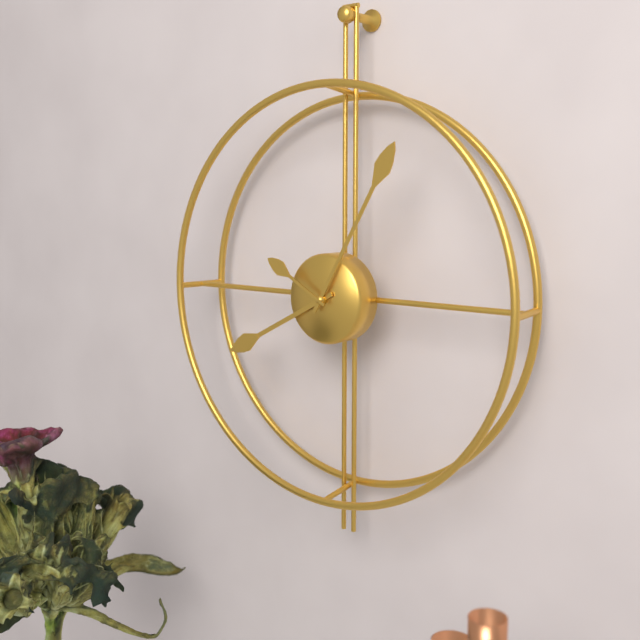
8:05:50
